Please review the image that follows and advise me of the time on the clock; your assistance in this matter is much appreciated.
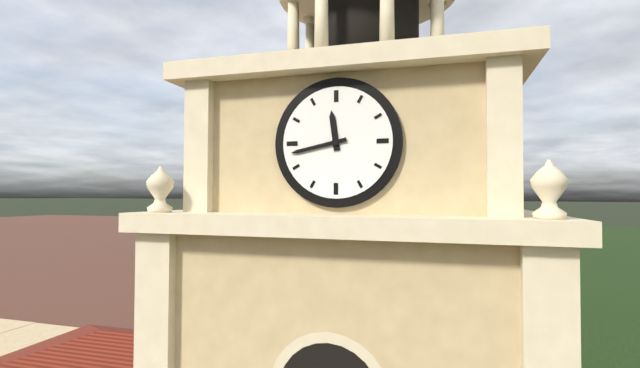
11:43
